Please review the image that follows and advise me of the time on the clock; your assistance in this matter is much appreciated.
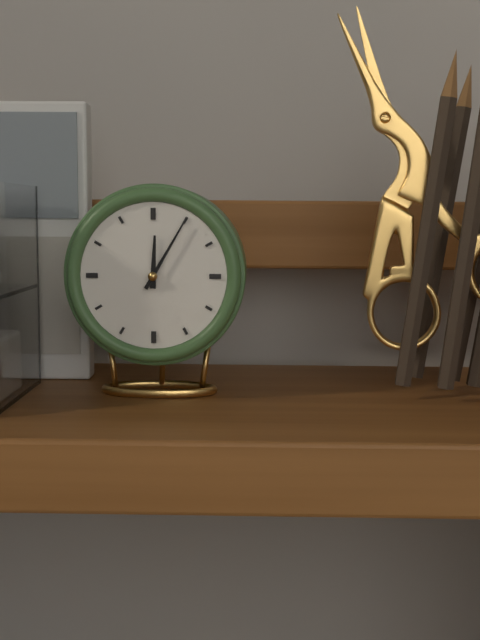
12:05
